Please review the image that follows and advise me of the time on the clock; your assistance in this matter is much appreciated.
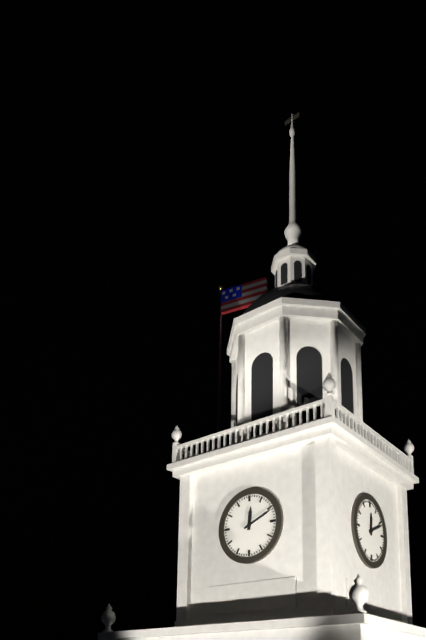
12:11
